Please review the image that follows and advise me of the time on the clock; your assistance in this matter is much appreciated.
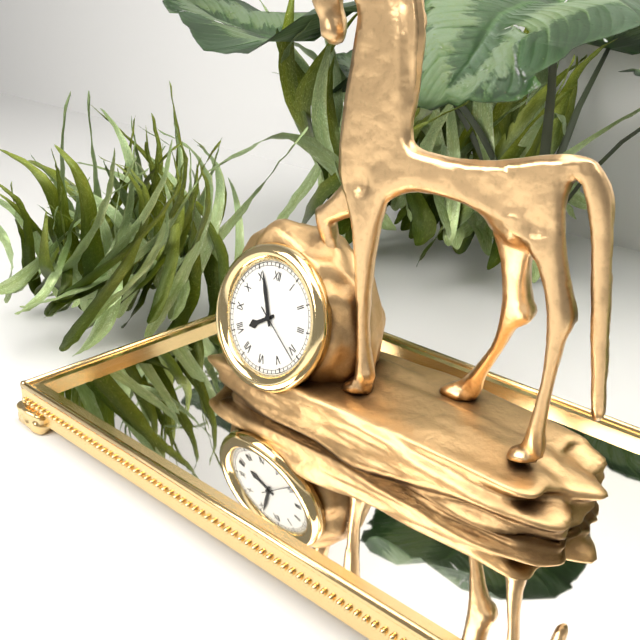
7:56:21
